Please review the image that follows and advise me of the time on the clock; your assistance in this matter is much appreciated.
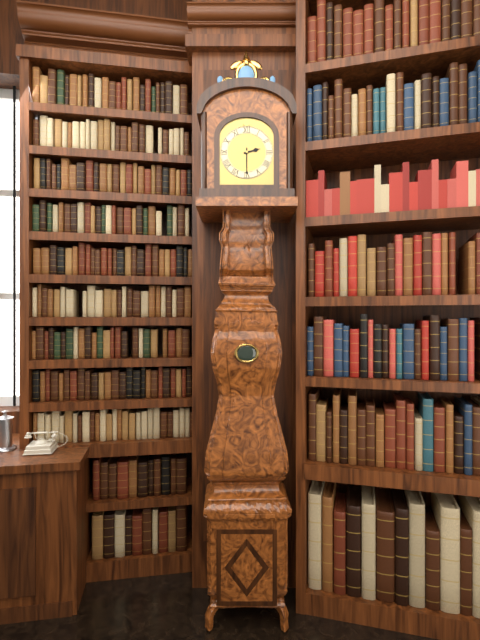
2:30
